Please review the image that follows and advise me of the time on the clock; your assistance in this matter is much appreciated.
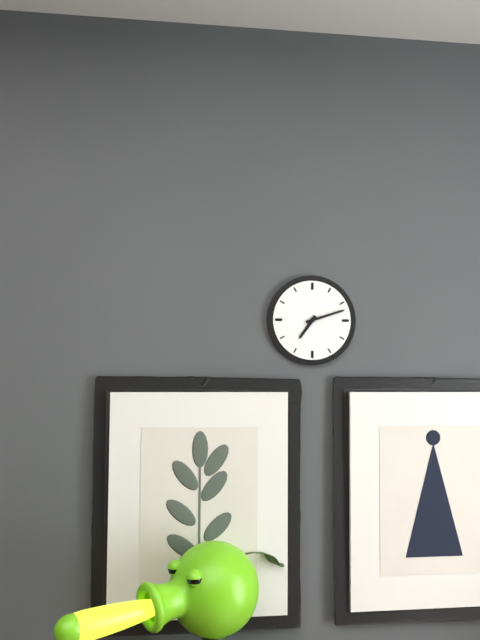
7:12
